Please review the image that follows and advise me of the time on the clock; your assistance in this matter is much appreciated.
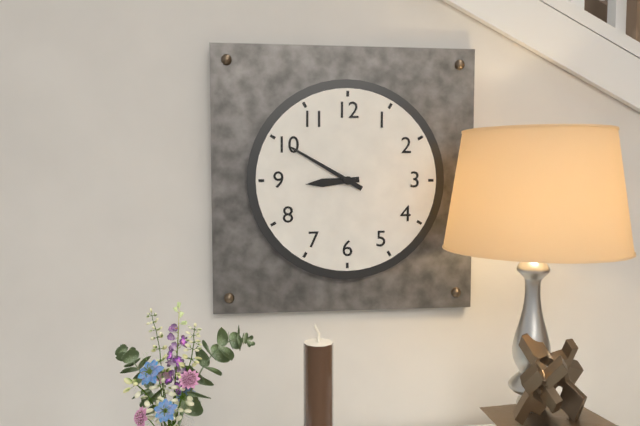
8:50
